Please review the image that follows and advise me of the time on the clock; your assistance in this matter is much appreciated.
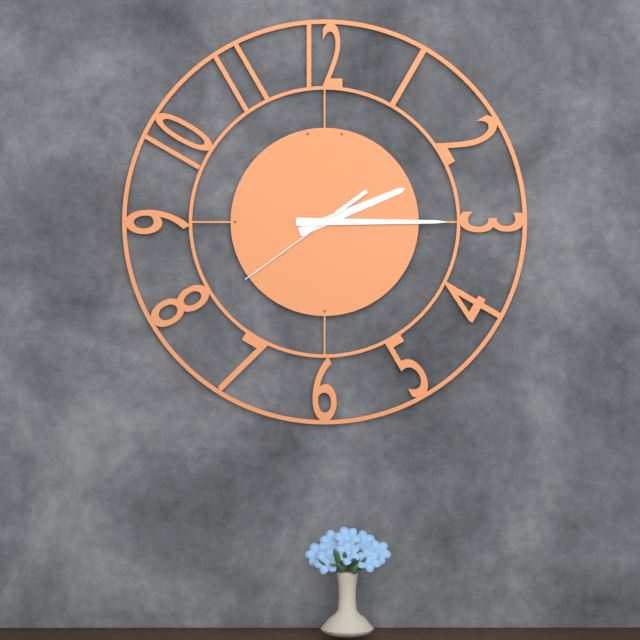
2:15:39
